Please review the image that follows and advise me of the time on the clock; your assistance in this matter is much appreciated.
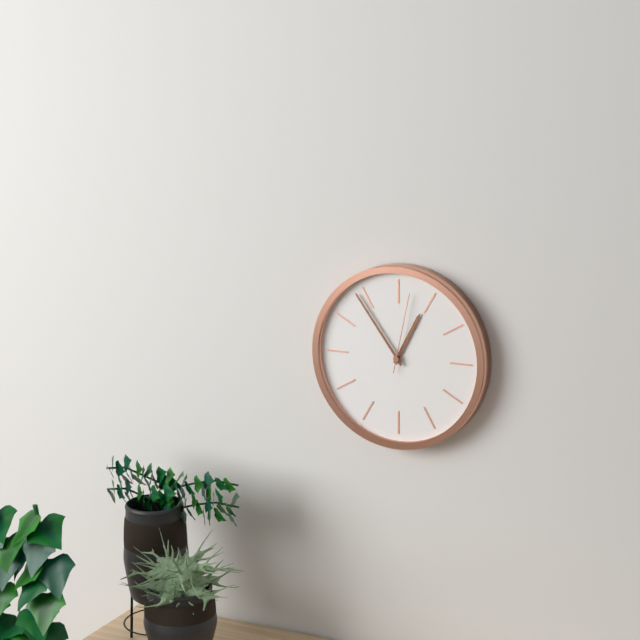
12:54:02
